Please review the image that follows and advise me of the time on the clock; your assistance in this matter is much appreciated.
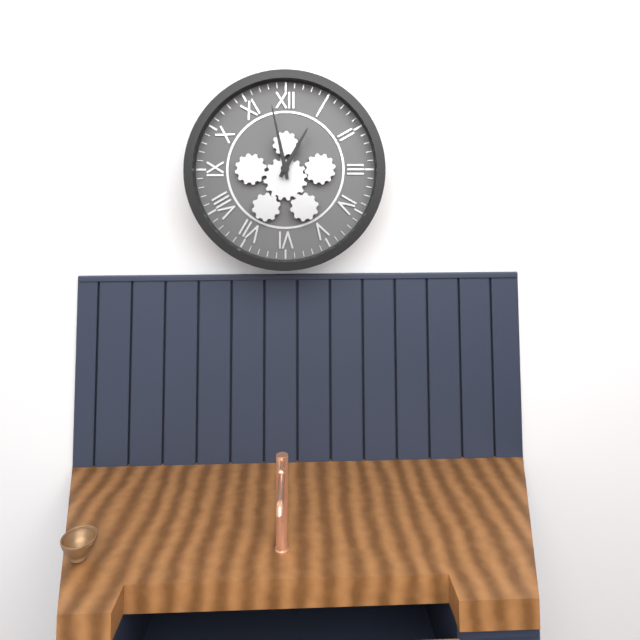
12:58
